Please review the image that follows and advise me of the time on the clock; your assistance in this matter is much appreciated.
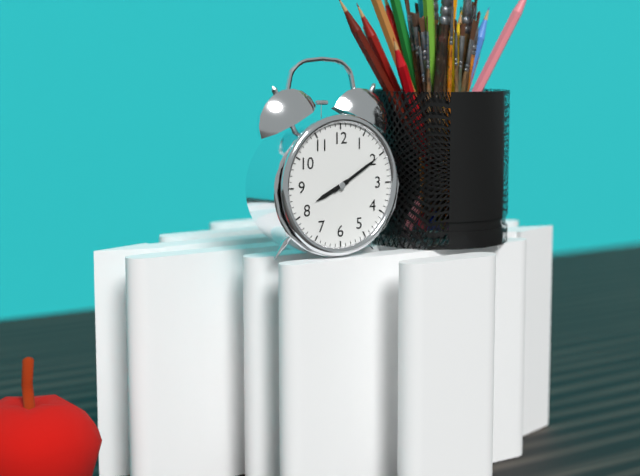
8:10
